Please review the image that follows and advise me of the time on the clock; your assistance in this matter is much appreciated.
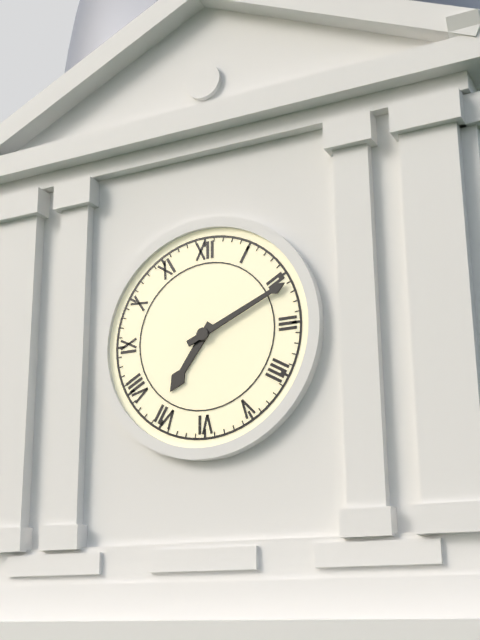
7:11
